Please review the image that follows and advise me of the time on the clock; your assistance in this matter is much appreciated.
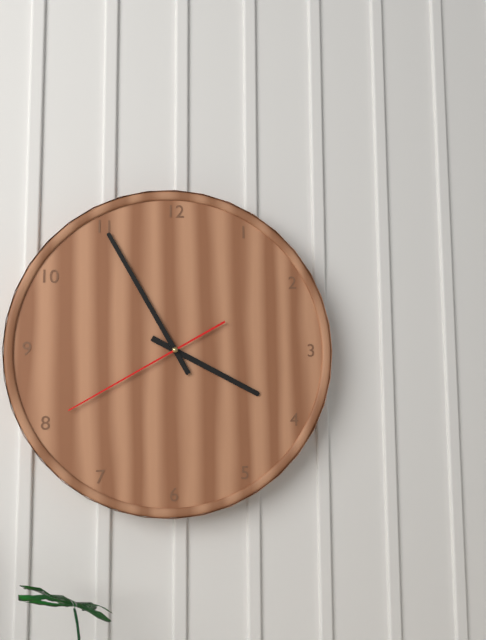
3:55:40
